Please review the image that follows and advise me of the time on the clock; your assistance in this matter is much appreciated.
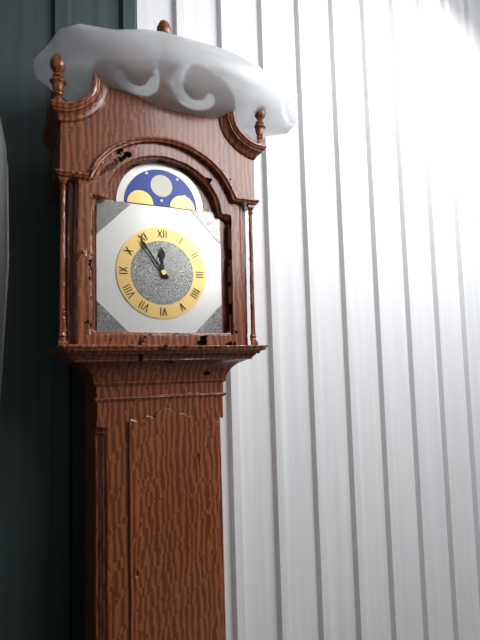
11:54
